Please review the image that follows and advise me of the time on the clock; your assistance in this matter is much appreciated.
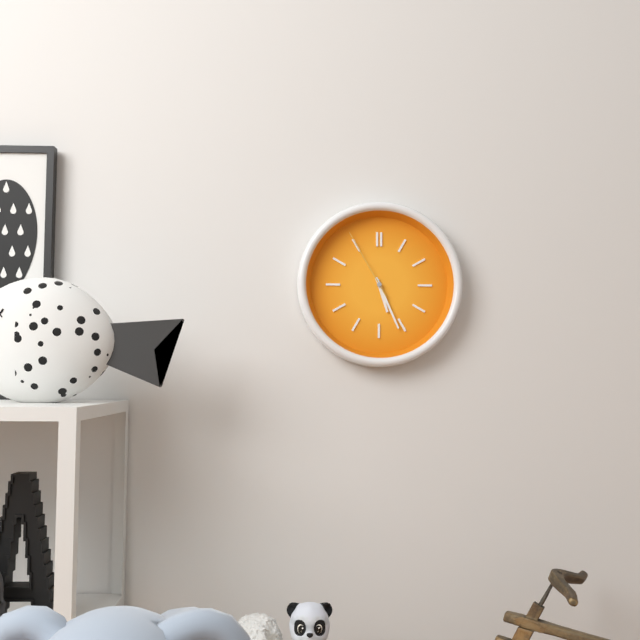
5:26:55
